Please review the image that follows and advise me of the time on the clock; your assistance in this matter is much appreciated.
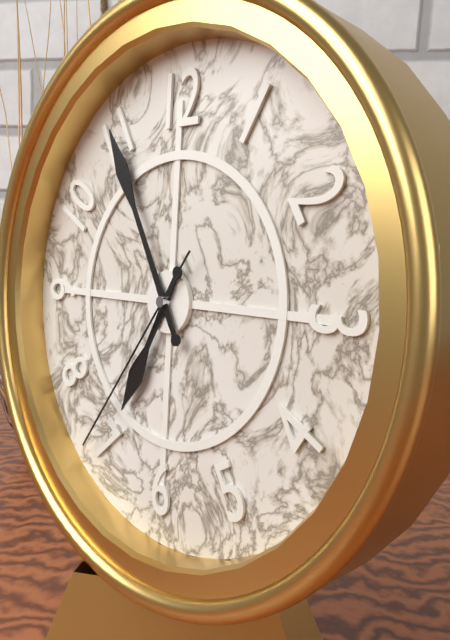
6:55:36
